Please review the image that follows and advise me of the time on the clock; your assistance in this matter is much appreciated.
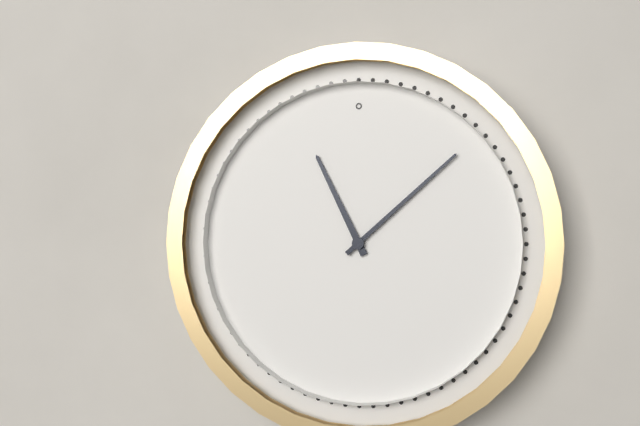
11:08
